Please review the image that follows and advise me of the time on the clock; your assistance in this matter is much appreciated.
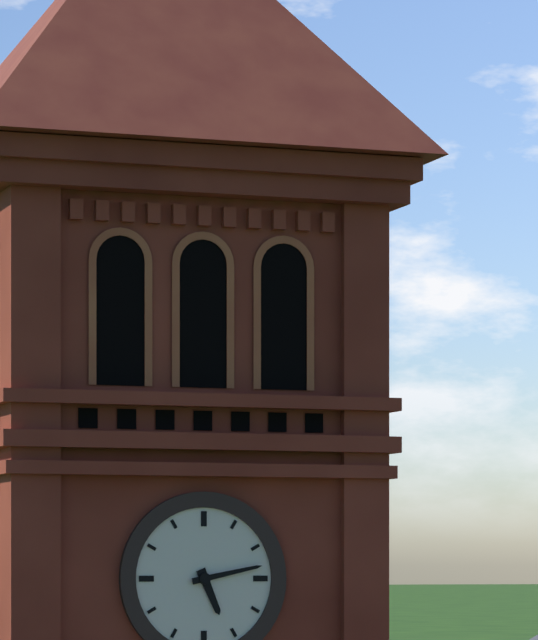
5:13
